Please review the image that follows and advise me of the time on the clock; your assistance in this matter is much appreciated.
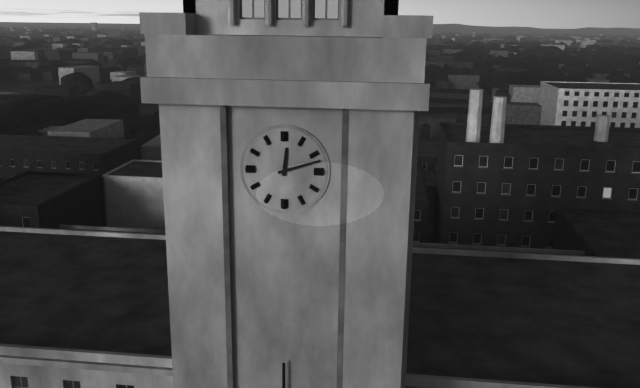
12:12
